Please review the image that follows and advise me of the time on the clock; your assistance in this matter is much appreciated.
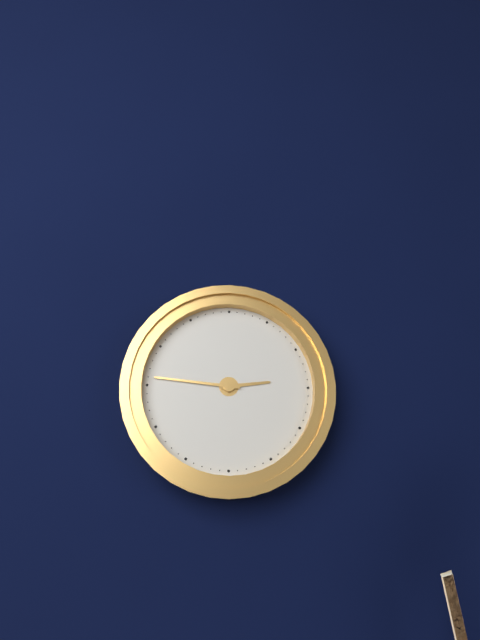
2:46
